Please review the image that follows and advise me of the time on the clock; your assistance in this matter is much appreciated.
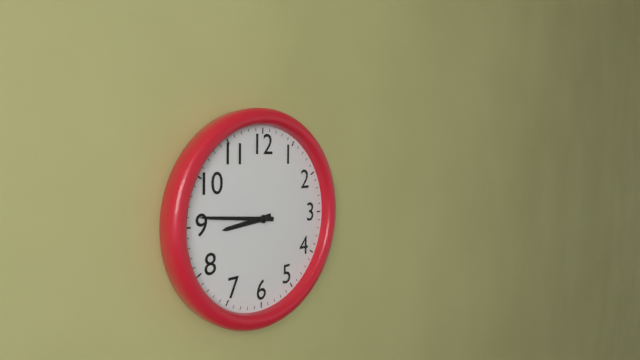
8:46
